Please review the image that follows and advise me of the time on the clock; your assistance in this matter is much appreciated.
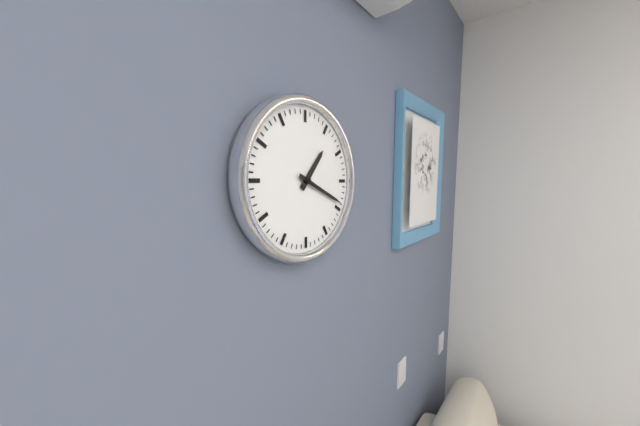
1:19
